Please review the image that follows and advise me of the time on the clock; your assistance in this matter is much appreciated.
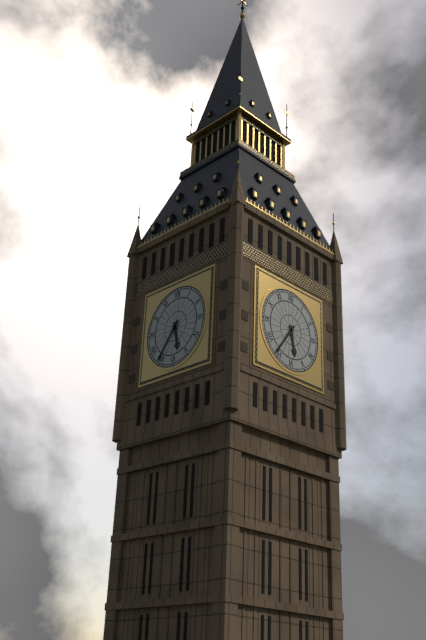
5:36
